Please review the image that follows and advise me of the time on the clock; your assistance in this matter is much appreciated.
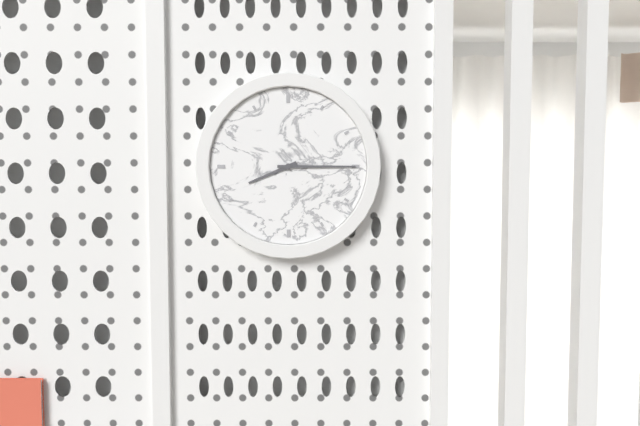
8:15
